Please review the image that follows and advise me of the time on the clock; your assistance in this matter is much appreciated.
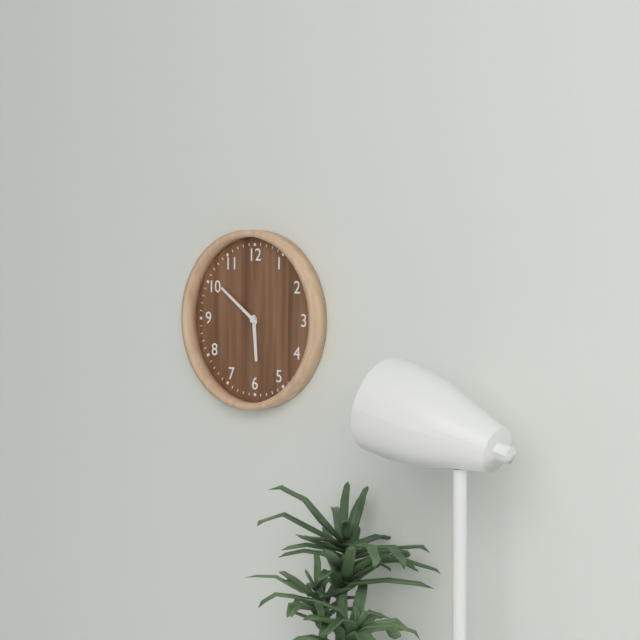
5:51
